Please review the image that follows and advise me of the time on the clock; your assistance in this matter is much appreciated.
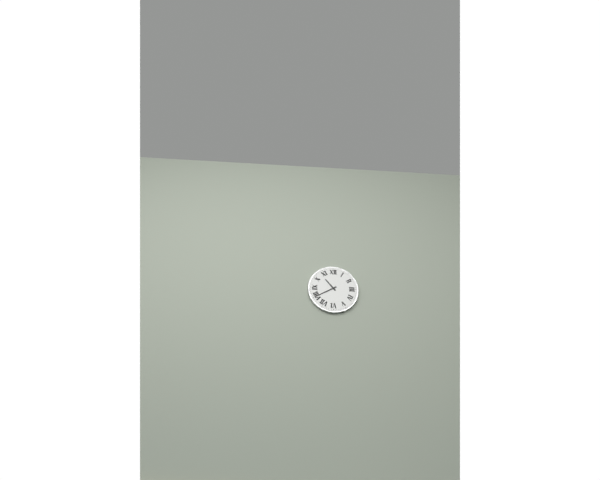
10:40
